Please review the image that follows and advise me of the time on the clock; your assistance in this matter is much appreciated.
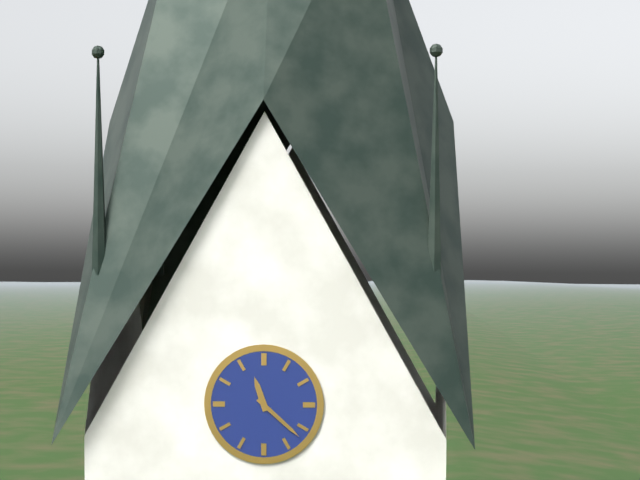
11:22
